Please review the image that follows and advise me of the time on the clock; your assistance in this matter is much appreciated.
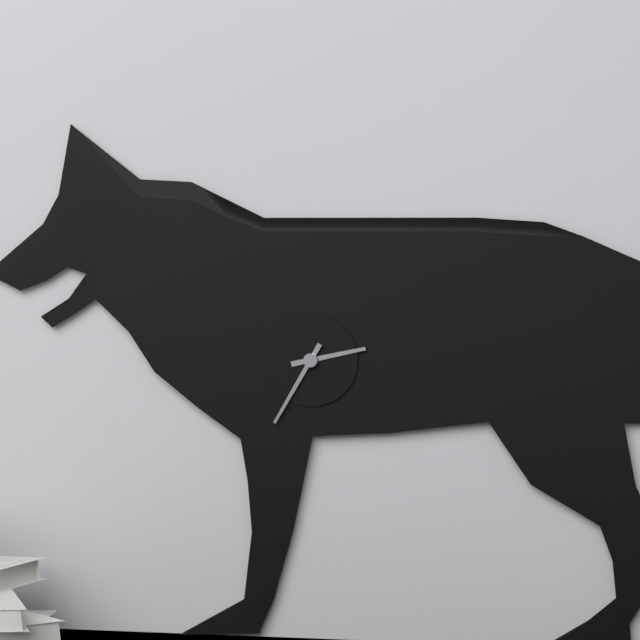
2:35
